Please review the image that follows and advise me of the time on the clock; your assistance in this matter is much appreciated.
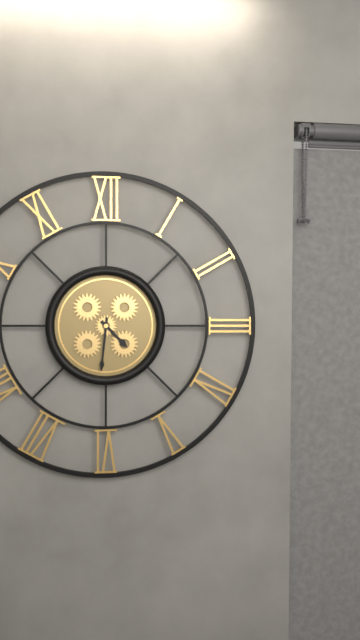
4:31
